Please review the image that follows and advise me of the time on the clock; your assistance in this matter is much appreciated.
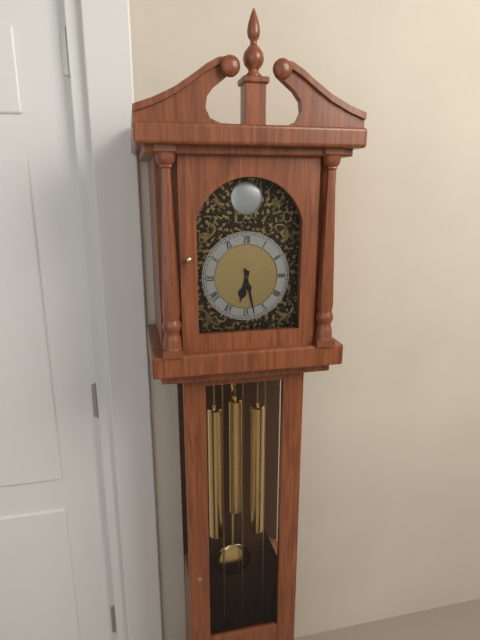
6:28
